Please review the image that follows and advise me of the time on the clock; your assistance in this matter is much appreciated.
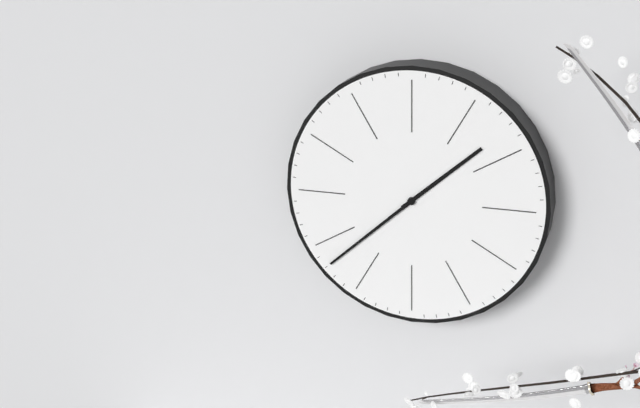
1:38
